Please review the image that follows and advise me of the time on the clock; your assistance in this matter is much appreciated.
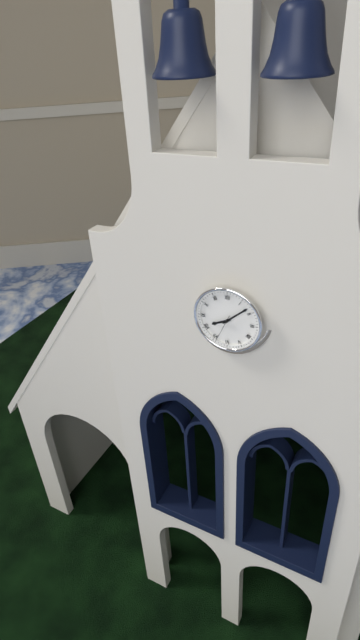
8:08
